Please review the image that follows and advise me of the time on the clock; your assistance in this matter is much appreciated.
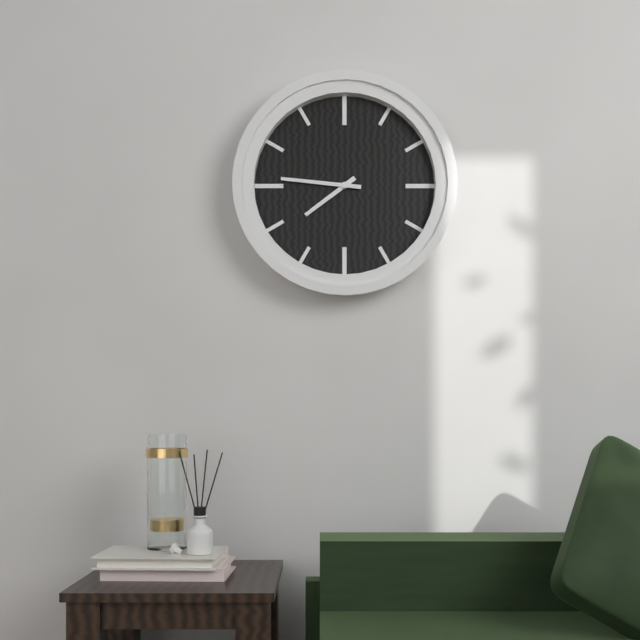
7:46
